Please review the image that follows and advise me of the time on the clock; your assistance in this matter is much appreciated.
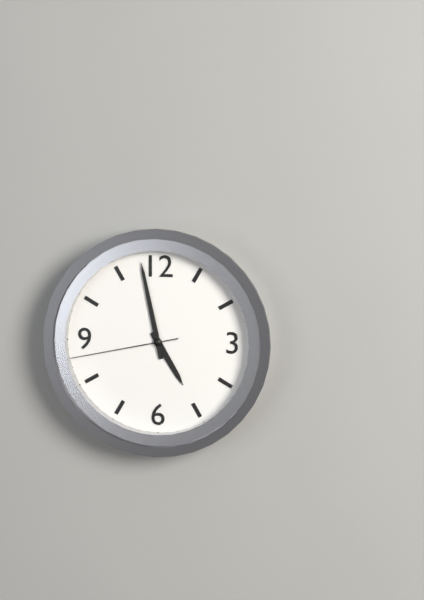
4:58:43
